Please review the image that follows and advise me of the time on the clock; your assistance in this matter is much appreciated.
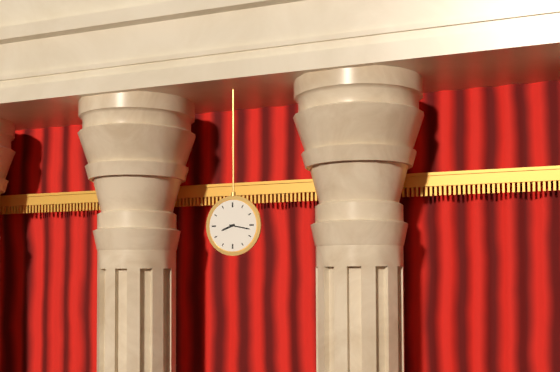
8:17
